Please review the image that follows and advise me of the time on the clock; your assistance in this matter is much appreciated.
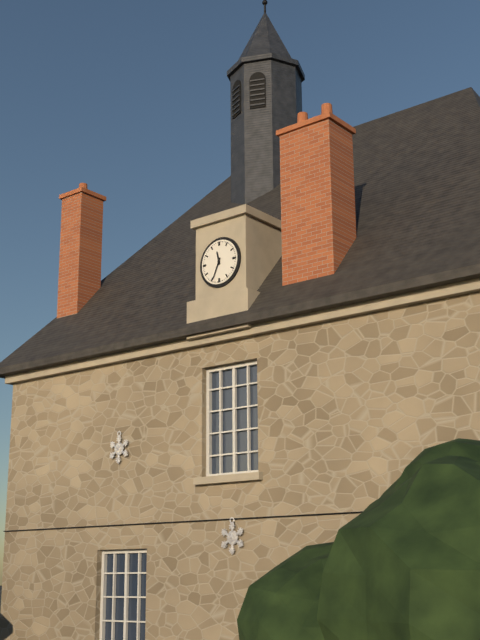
11:34
